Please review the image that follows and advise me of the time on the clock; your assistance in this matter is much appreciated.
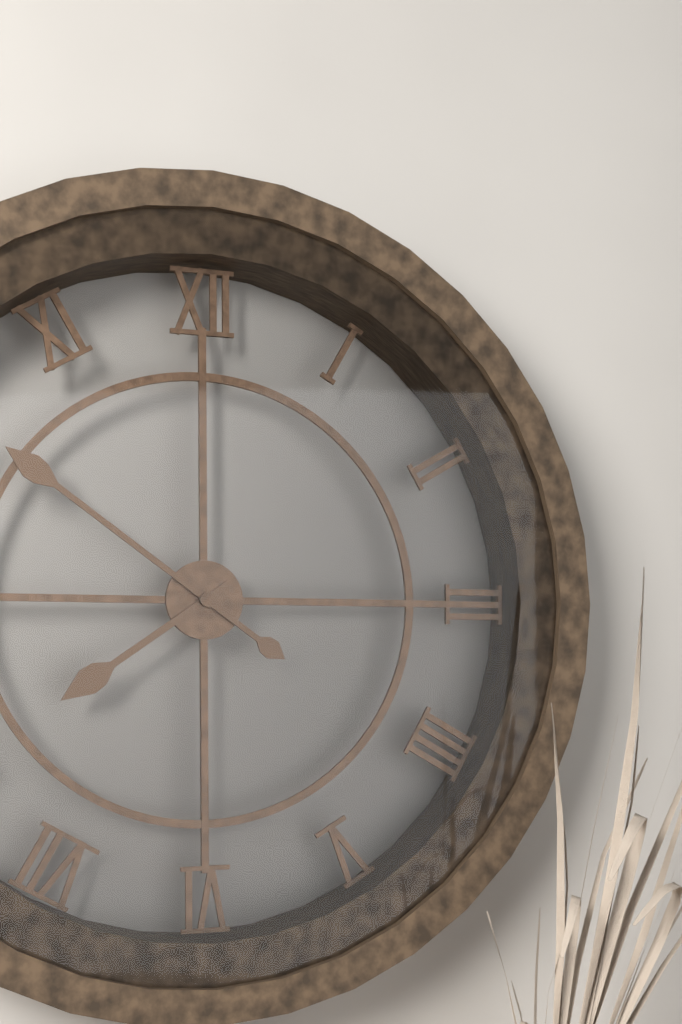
7:51
